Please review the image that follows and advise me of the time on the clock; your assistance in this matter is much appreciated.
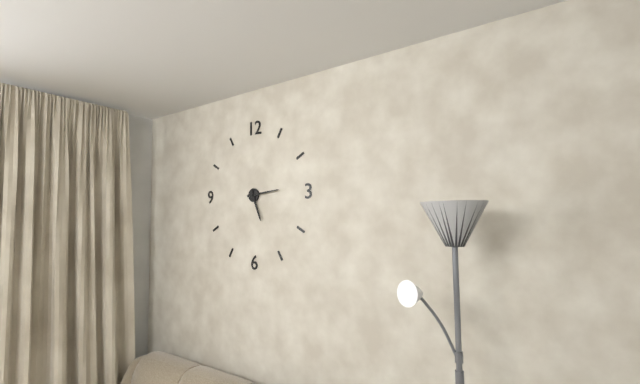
5:14
